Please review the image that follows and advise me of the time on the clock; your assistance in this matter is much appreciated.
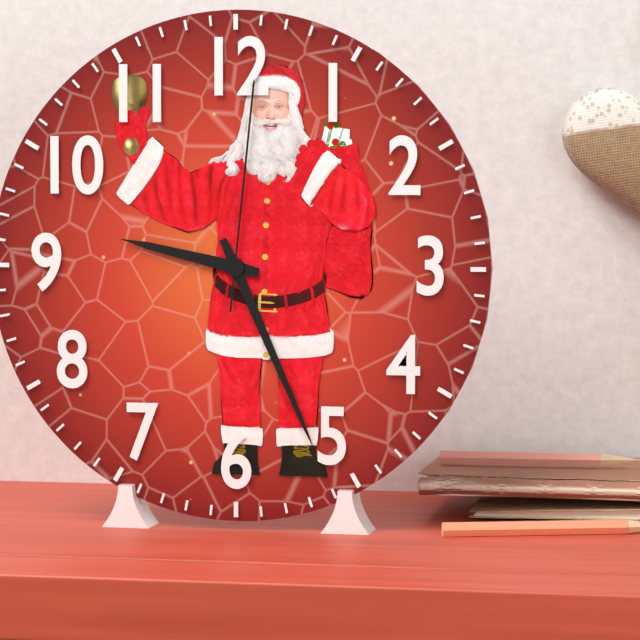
9:26:01
